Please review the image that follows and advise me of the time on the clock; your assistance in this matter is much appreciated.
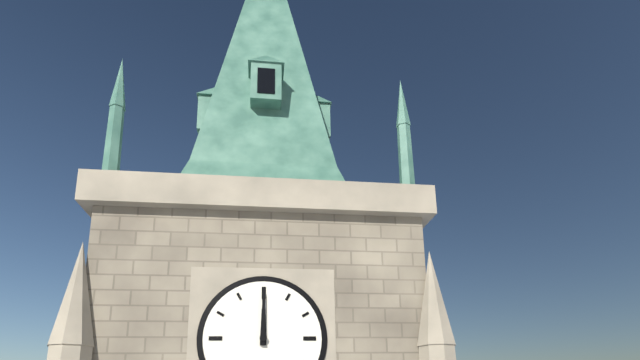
12:00
